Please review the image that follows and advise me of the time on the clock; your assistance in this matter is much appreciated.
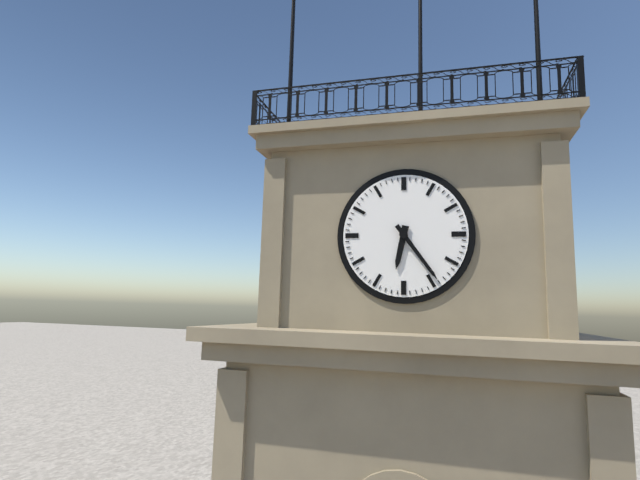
6:24
